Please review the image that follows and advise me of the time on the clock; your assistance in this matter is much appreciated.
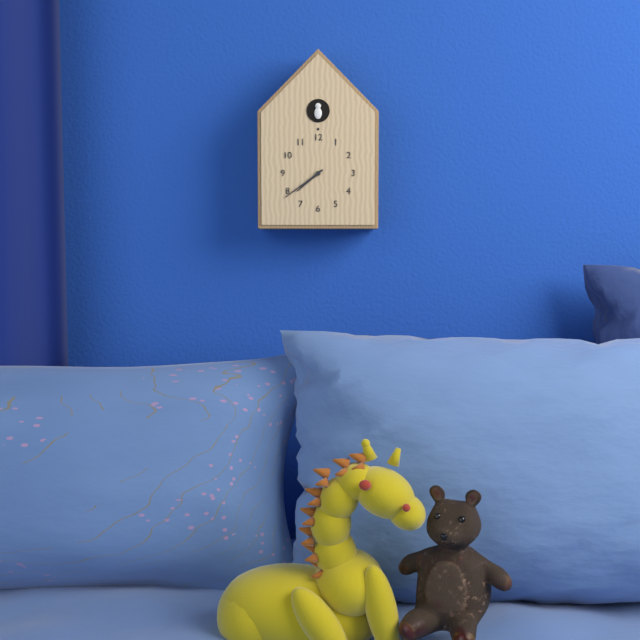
7:39
